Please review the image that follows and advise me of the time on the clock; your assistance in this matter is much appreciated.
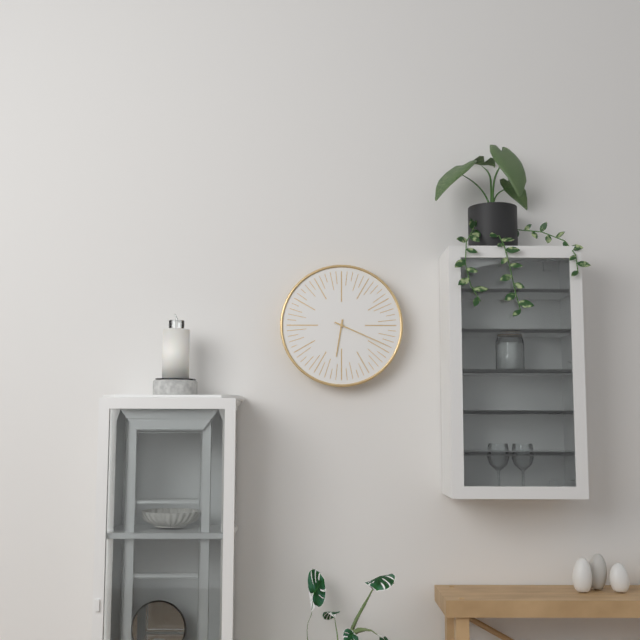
6:19
